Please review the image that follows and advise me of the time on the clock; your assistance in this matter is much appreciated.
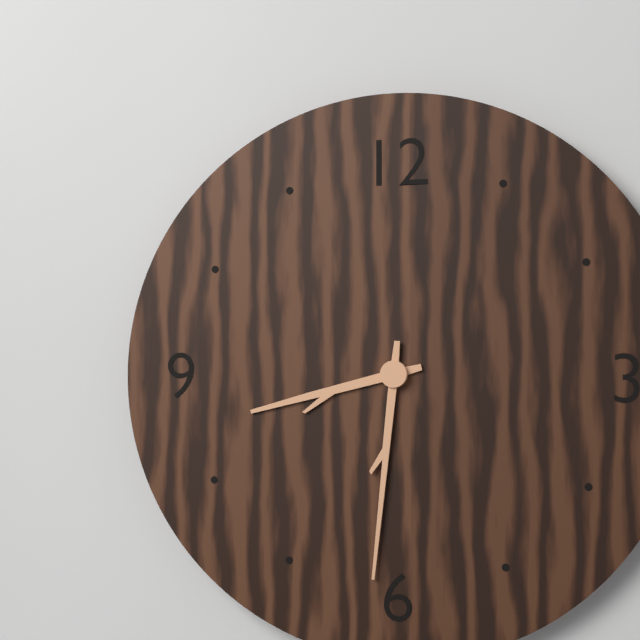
8:31
